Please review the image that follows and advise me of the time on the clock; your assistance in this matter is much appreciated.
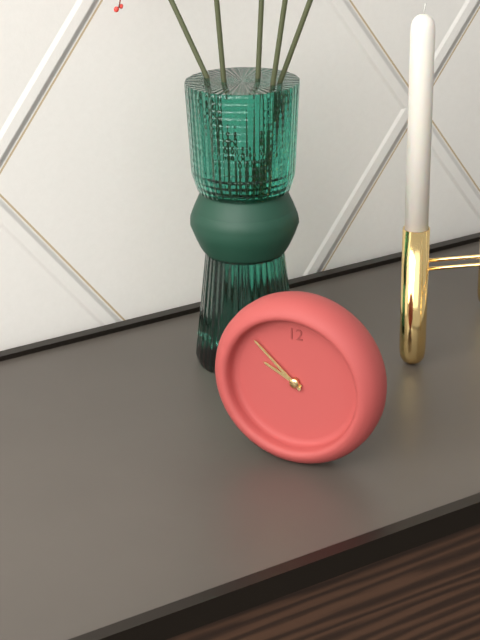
9:52
